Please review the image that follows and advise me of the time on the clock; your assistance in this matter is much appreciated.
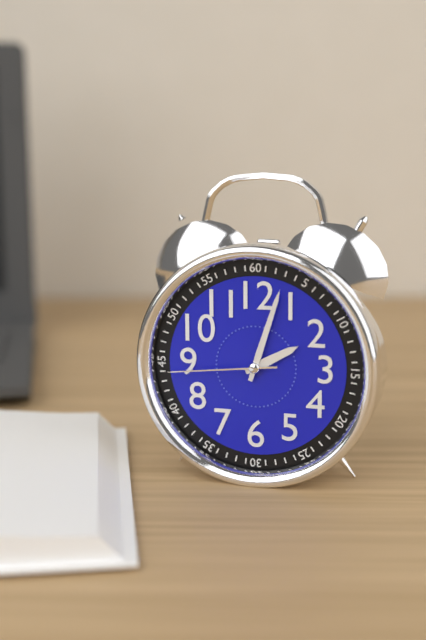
2:03:44
